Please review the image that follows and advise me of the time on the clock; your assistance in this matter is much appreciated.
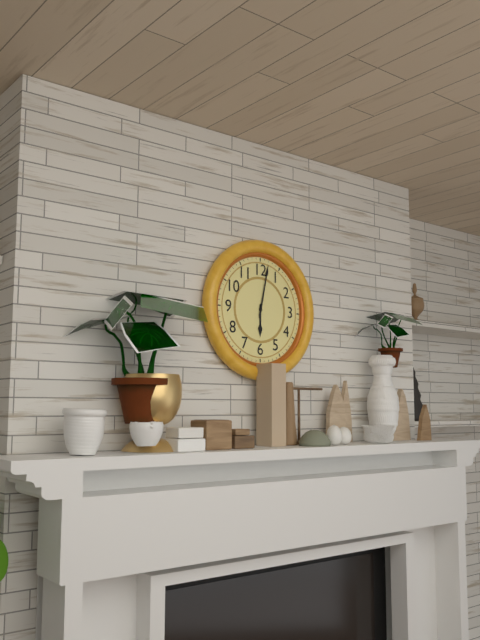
6:02
